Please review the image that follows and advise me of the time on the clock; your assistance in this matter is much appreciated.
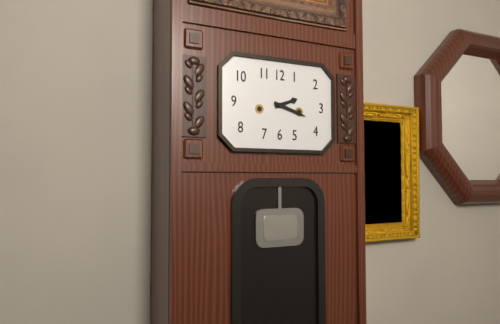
2:18
